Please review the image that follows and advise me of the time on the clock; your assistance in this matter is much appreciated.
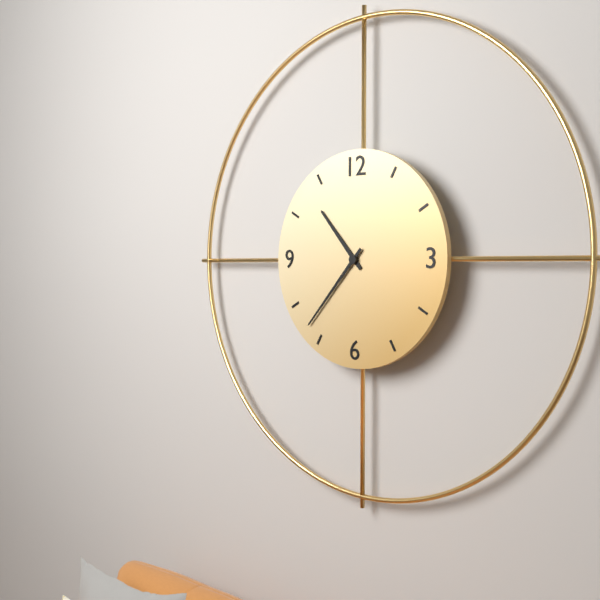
10:37
